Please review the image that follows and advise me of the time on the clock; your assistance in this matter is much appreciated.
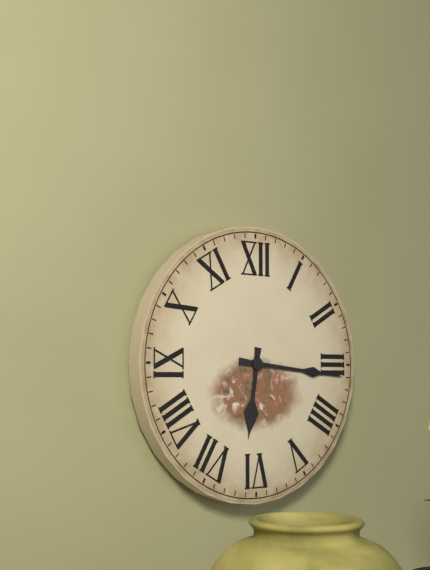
6:16
